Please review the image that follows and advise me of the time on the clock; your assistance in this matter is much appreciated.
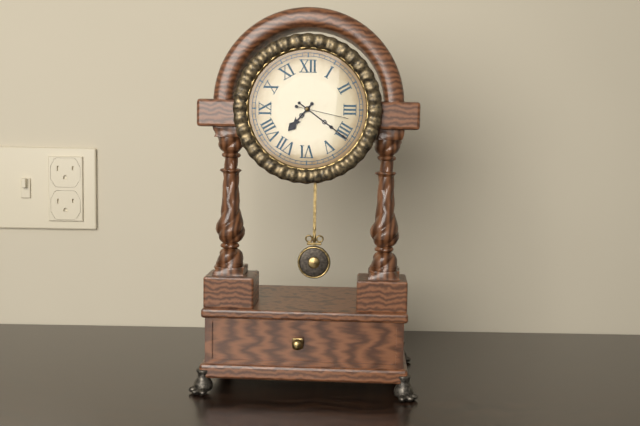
7:21:17
